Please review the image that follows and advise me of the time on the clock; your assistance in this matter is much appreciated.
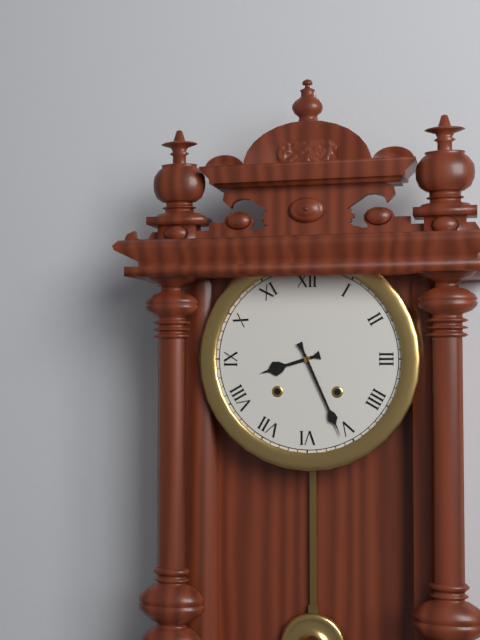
8:26
